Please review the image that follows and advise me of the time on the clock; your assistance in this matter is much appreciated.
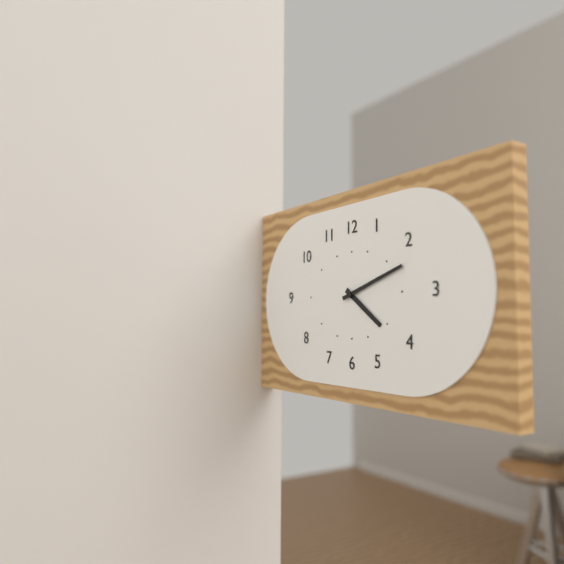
4:12
